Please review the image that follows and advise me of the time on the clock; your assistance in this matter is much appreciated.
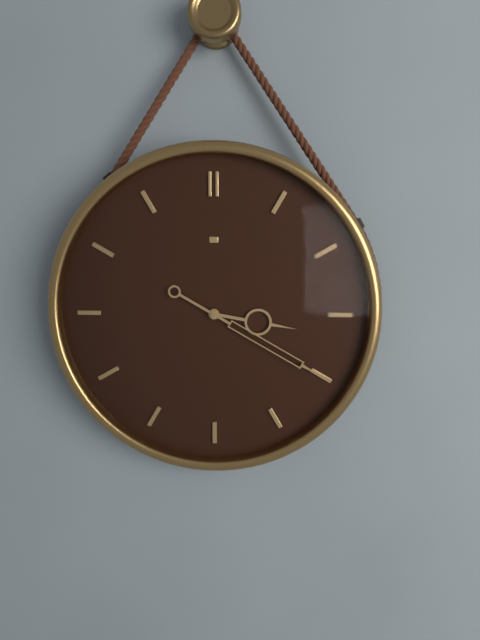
3:20
